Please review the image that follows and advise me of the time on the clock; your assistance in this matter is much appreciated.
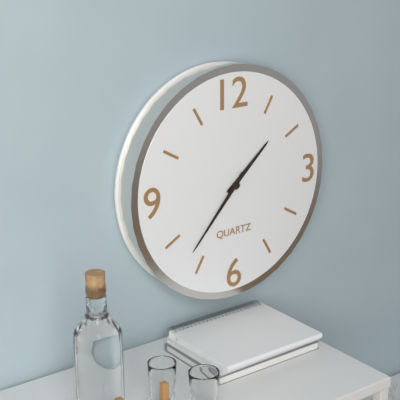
1:37
